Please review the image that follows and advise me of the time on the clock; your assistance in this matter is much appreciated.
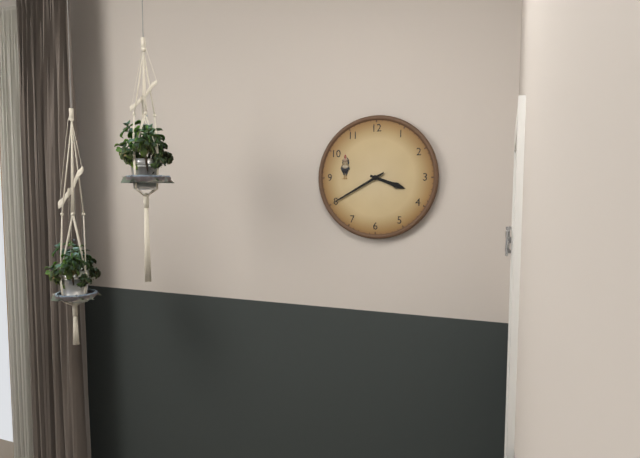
3:40
